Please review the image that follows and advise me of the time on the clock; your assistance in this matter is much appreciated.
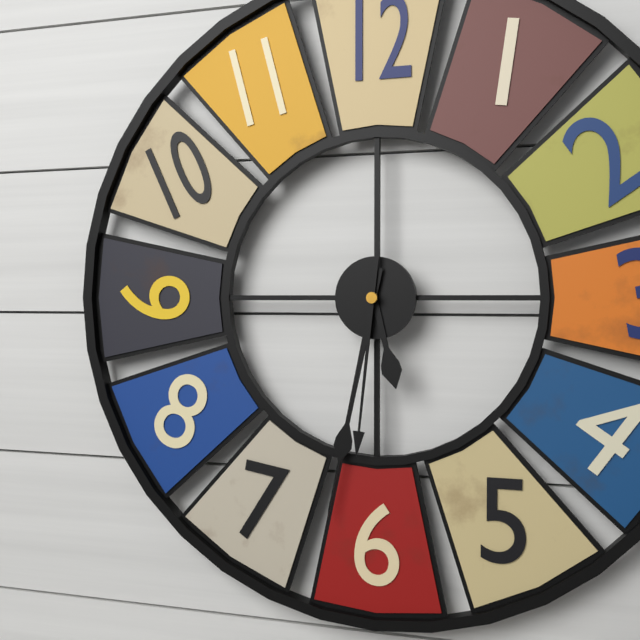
5:32:31
